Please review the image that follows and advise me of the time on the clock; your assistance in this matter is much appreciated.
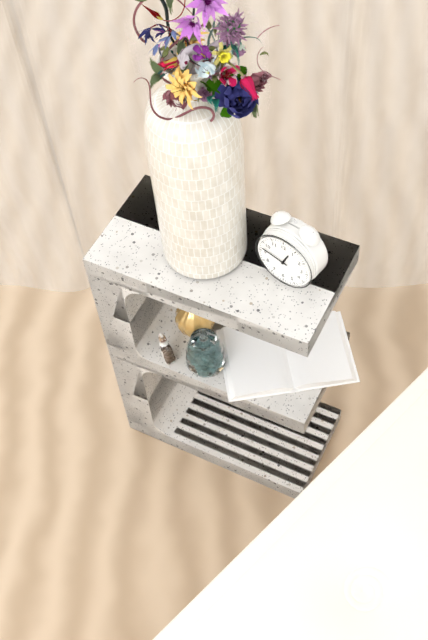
12:47
